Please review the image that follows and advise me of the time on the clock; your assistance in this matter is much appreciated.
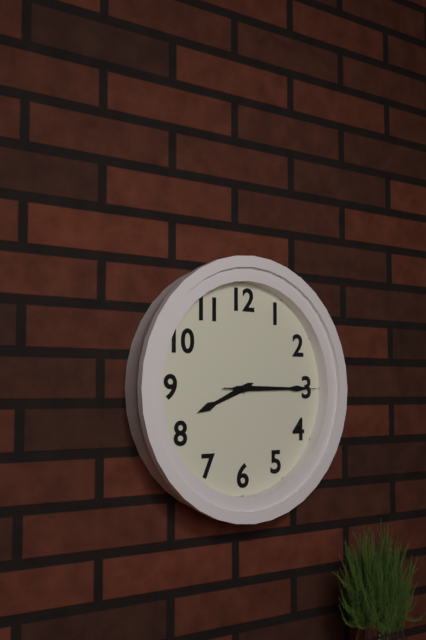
8:15:15
